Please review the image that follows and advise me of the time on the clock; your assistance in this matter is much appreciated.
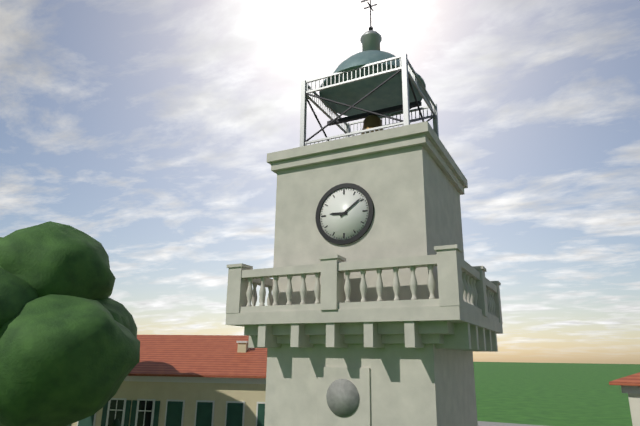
9:09
